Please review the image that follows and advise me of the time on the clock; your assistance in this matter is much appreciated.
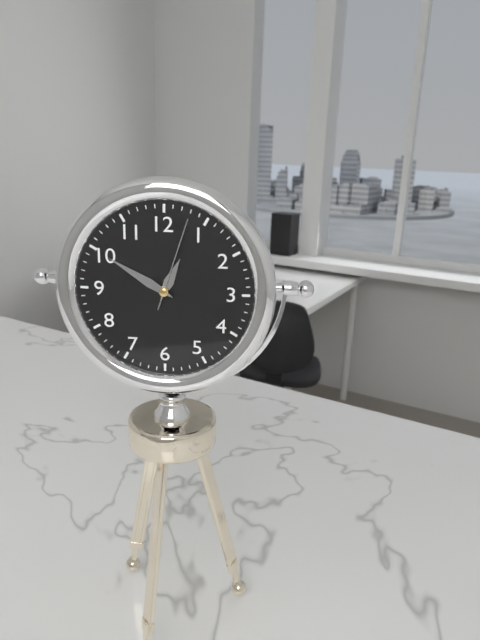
12:50:03
